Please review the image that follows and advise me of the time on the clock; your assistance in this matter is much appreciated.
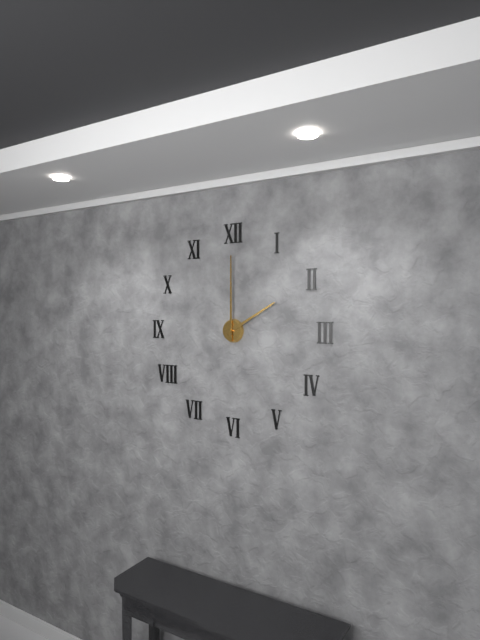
2:00
